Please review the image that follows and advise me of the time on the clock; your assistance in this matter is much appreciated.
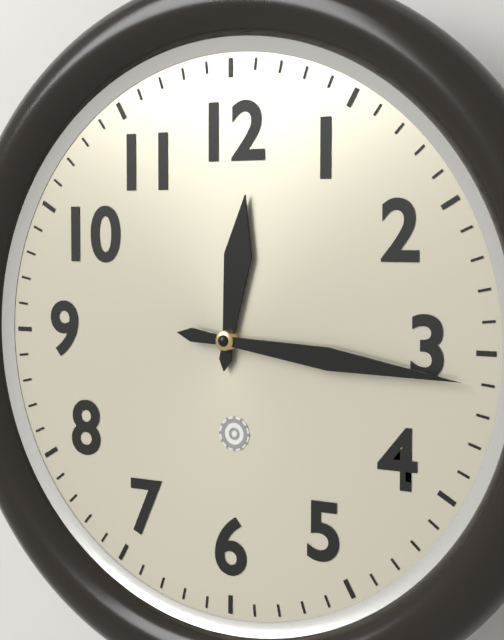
12:16
